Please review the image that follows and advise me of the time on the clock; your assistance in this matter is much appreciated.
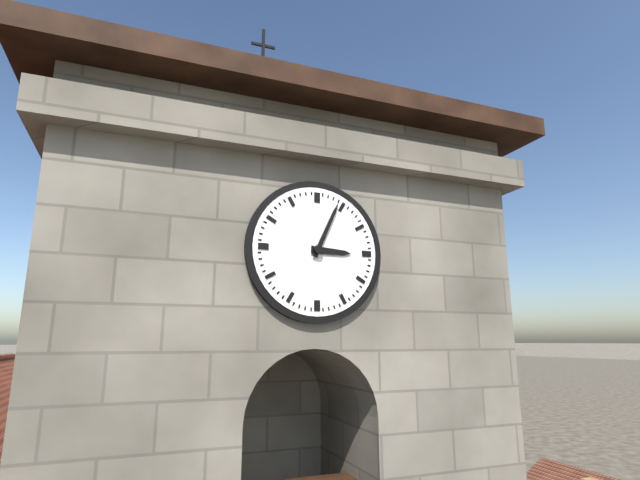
3:04
